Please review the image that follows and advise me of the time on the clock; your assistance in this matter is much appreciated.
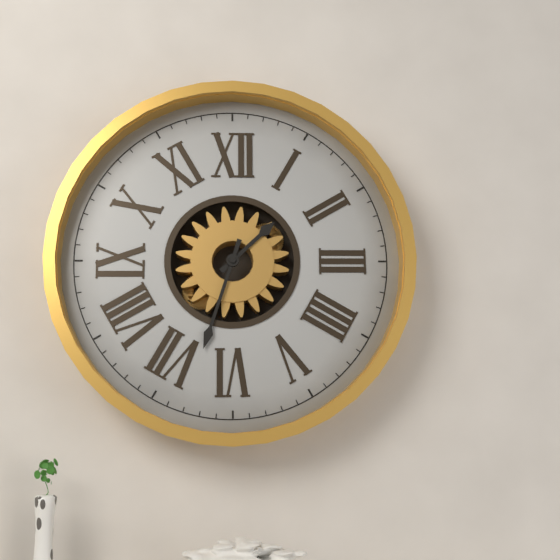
1:33
